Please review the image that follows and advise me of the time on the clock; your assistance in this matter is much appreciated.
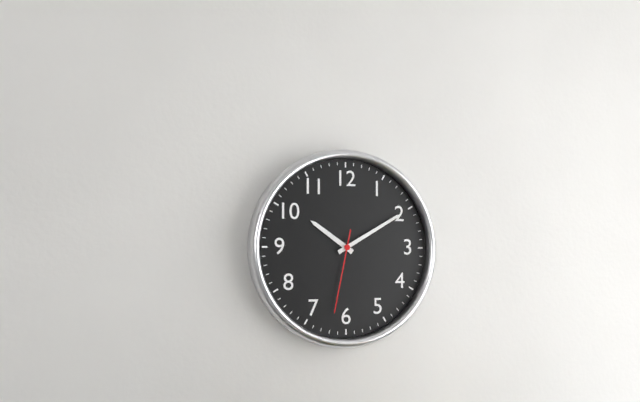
10:10:32
